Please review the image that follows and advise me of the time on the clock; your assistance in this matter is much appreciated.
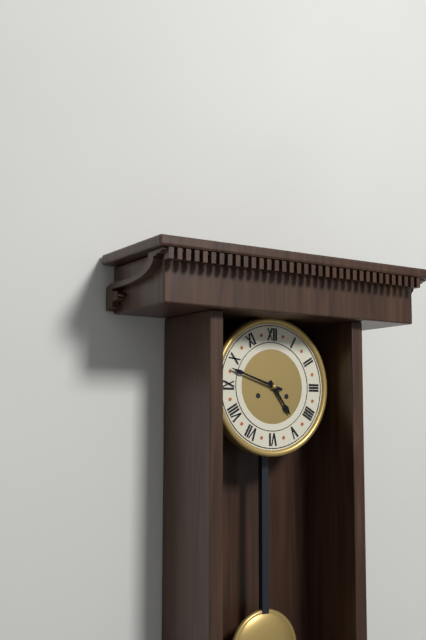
4:48
